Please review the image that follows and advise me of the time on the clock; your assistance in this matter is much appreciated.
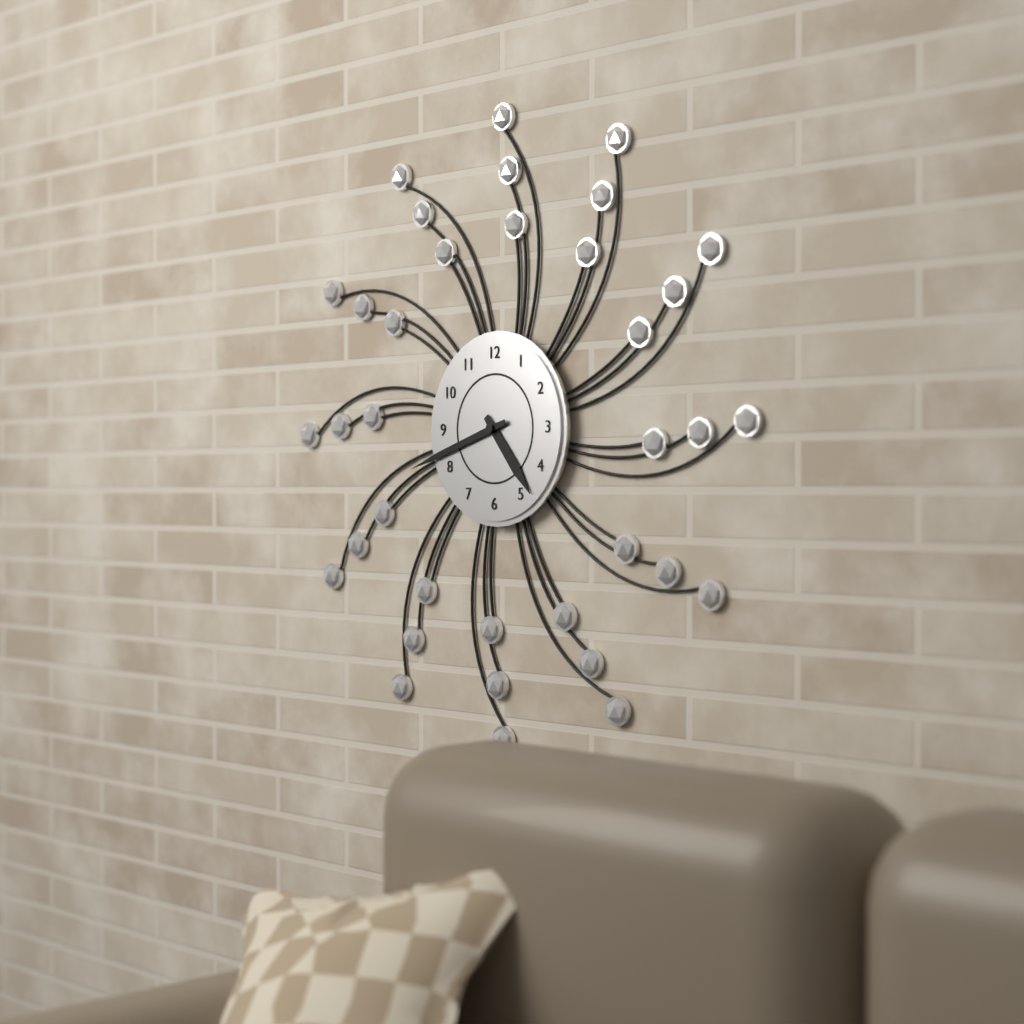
4:42
